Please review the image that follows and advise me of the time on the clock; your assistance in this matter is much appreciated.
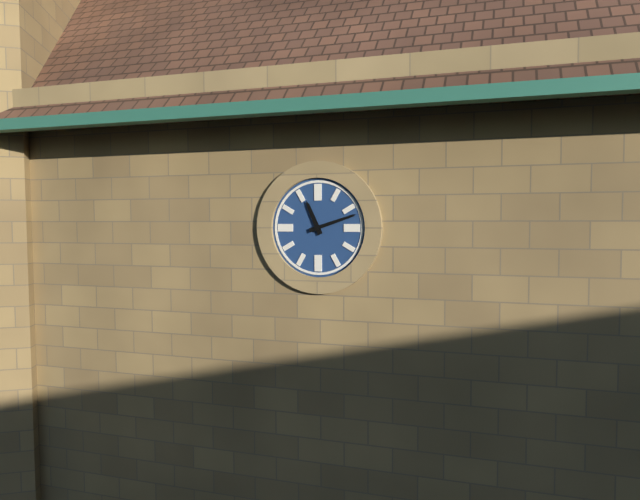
11:12
